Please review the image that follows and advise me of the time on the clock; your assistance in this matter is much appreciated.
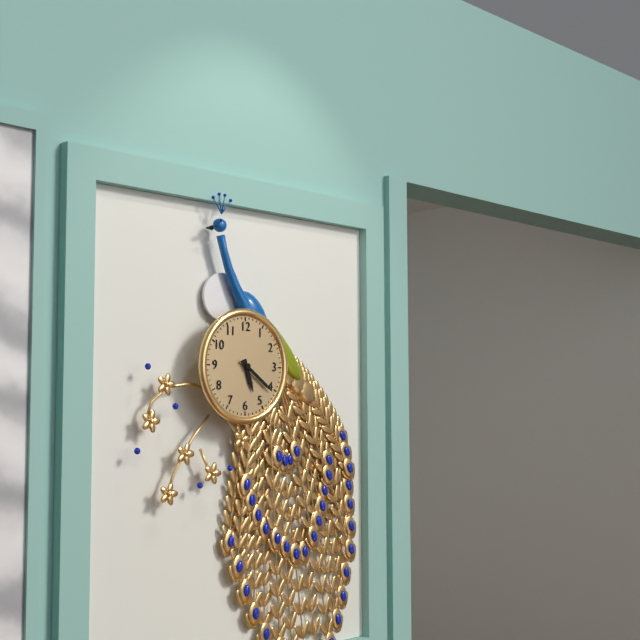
5:21
